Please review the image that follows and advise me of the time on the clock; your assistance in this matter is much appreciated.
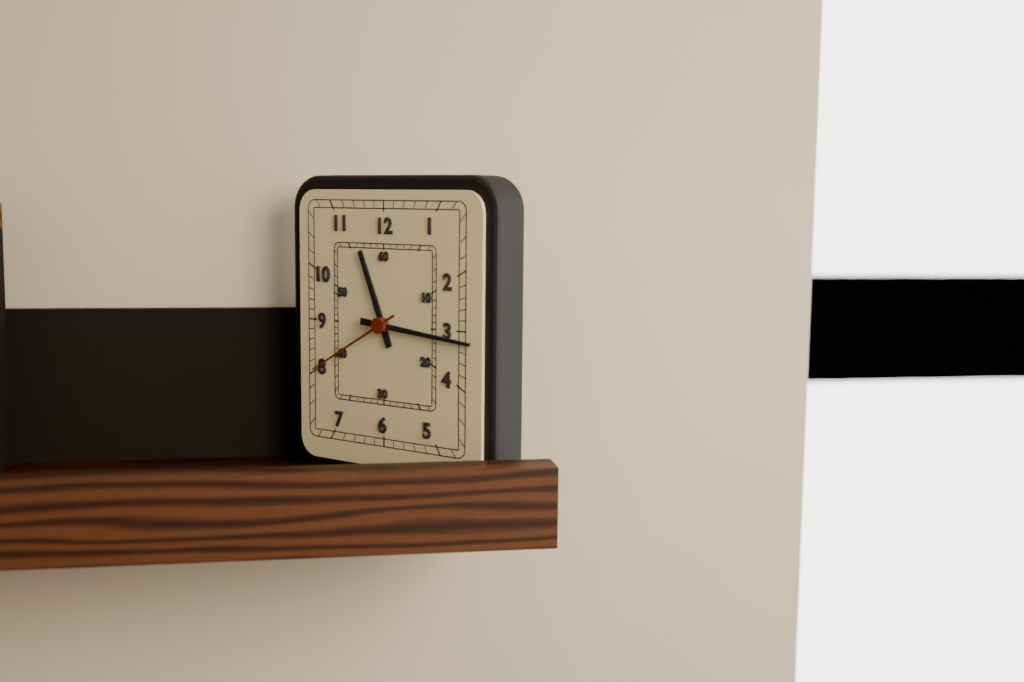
11:16:40
